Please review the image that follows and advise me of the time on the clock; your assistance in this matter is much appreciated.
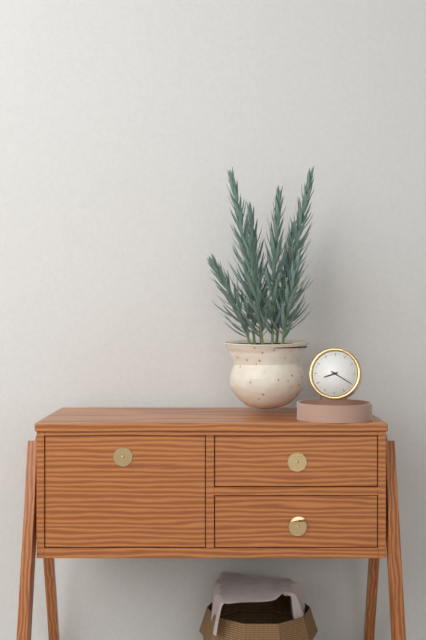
8:20
